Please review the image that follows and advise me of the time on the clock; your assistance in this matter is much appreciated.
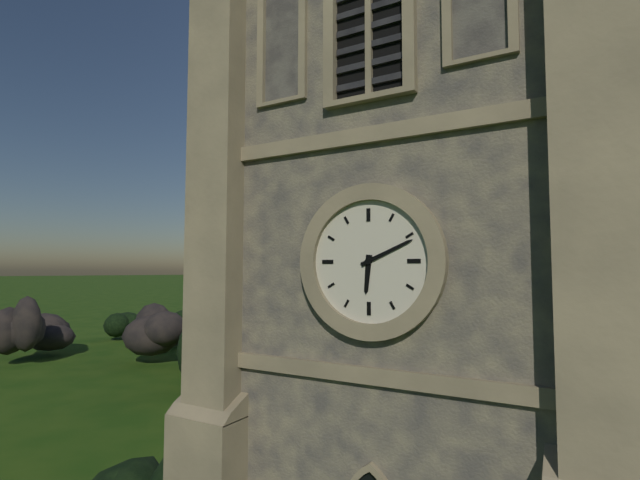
6:11
